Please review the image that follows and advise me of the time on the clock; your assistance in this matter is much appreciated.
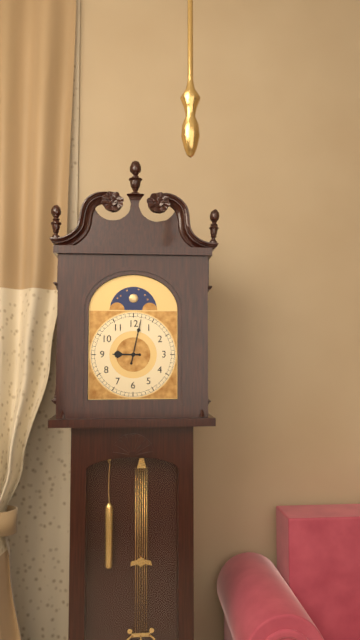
9:02
